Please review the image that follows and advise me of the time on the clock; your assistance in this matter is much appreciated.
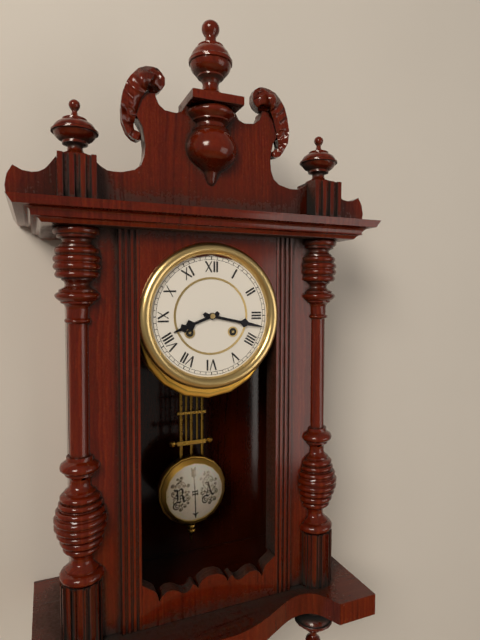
8:17
